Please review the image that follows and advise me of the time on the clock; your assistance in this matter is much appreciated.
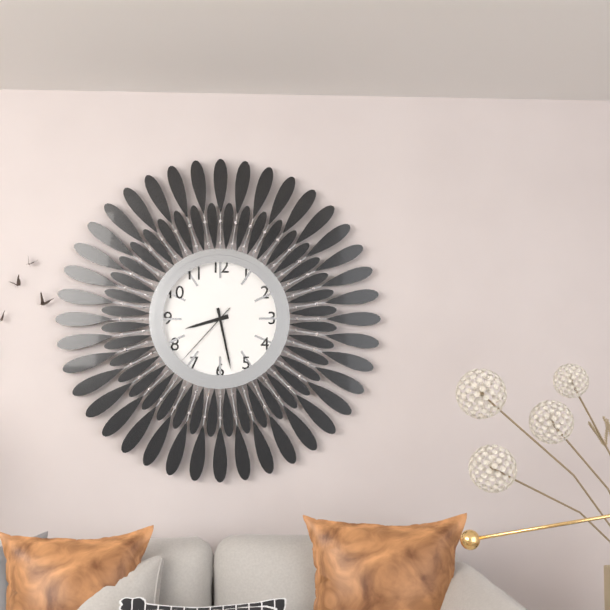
8:28:37
